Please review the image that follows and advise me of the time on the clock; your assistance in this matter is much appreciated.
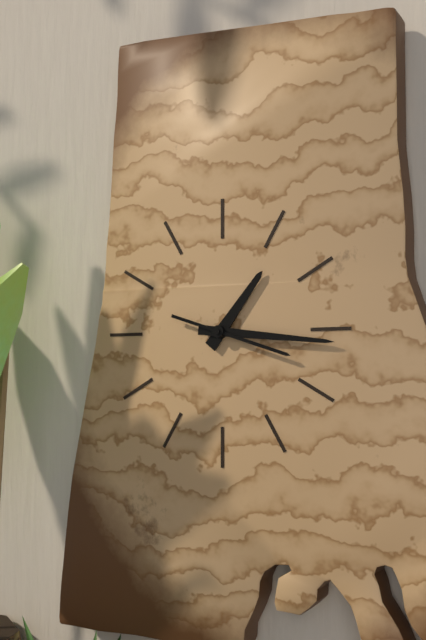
1:16:18
